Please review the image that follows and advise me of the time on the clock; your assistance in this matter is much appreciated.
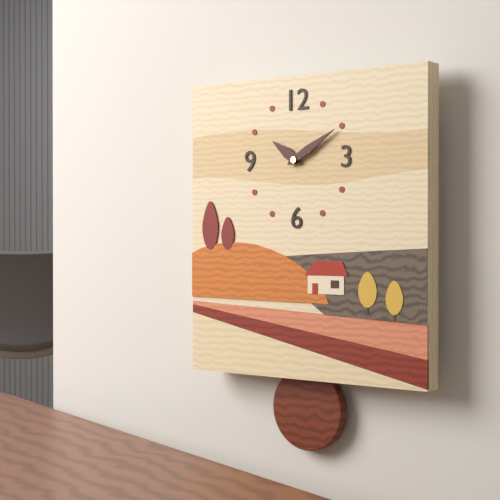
10:10
